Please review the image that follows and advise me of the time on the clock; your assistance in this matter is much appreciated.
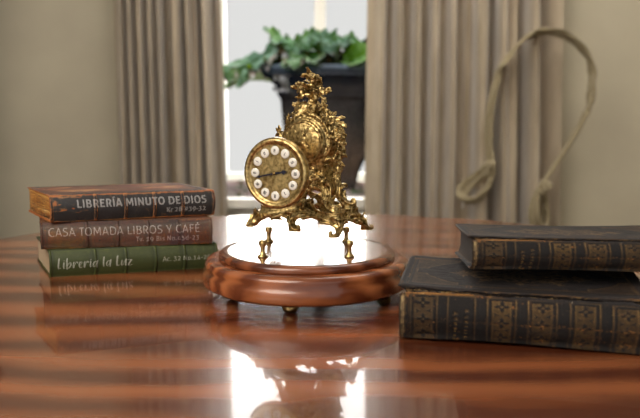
2:43
